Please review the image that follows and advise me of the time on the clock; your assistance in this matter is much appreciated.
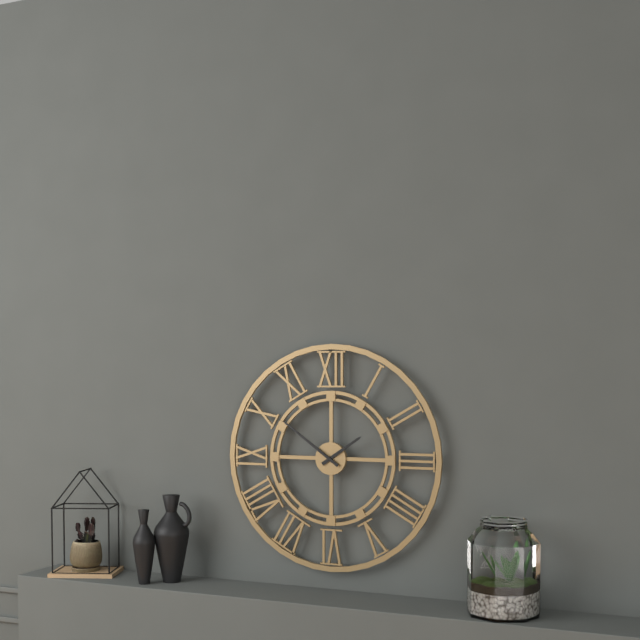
1:51
